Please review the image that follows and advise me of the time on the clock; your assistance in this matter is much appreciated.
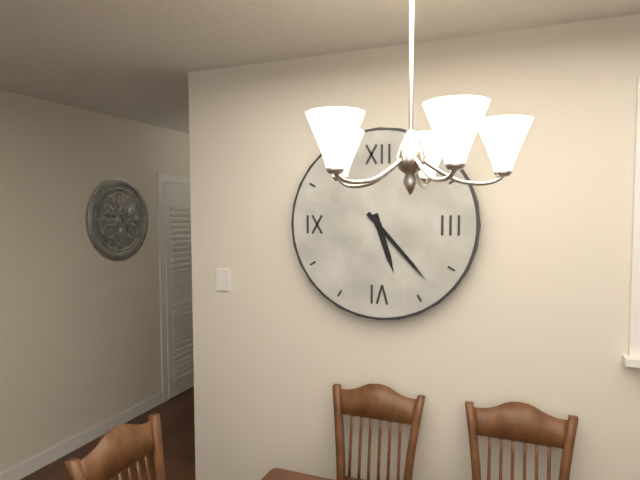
5:23
